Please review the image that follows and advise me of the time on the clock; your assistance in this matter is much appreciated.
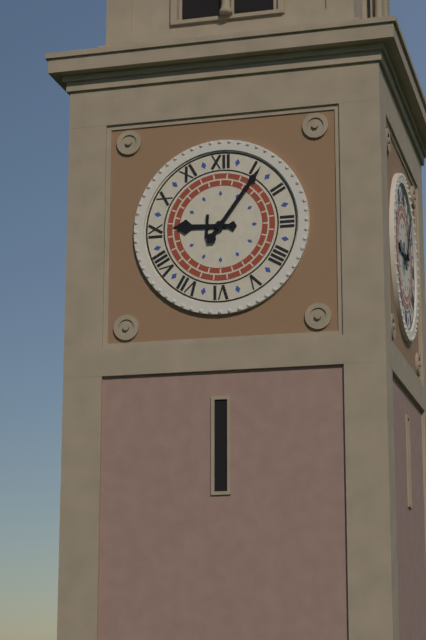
9:06
